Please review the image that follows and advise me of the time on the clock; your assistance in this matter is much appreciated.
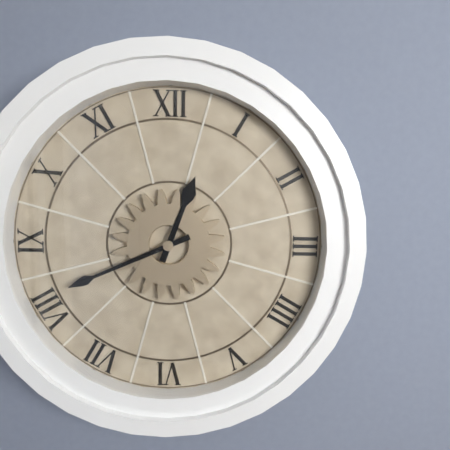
12:41
